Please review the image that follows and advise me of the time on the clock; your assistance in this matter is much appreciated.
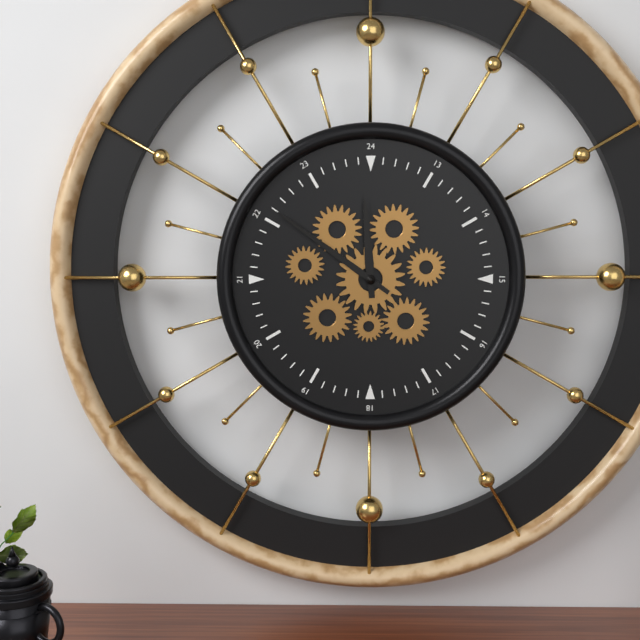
11:51
